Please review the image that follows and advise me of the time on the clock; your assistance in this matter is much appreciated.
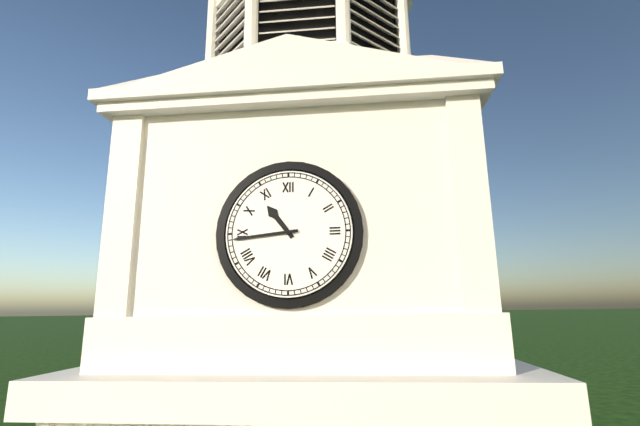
10:44
